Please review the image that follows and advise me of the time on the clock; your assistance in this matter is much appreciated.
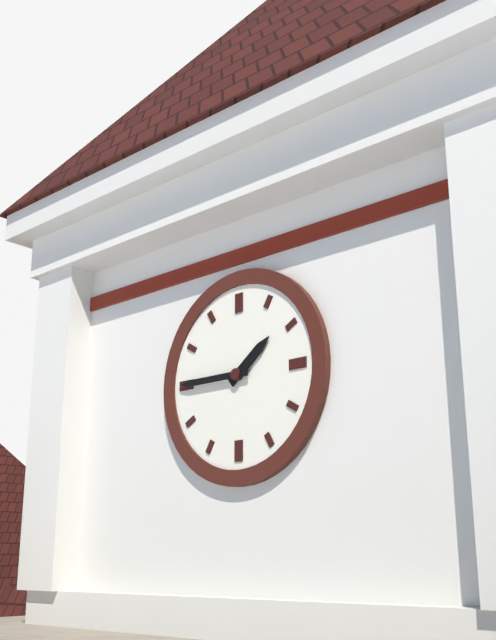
1:45
